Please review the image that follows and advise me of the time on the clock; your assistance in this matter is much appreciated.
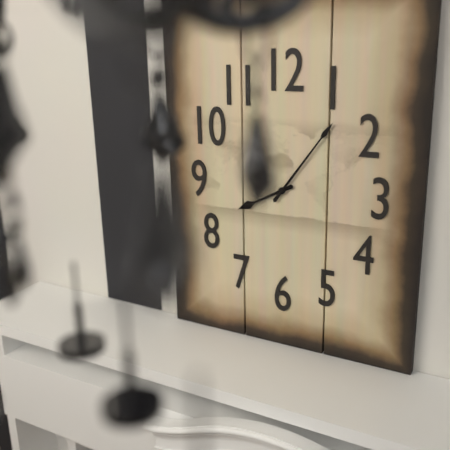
8:06
